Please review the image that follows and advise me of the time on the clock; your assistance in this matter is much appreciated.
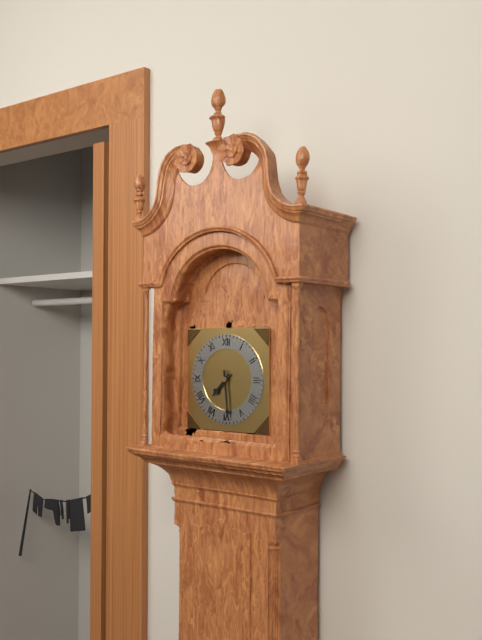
7:29
